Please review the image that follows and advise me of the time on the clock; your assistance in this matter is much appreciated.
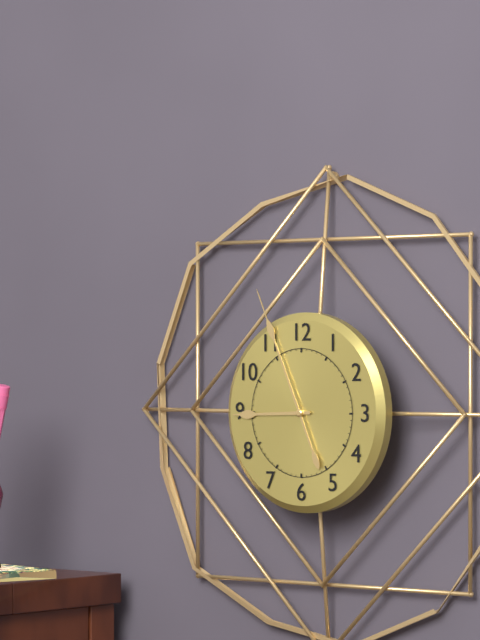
8:56
